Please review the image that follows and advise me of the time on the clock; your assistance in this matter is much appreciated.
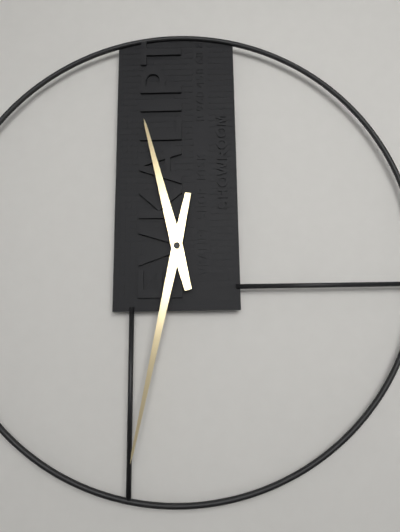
11:32
